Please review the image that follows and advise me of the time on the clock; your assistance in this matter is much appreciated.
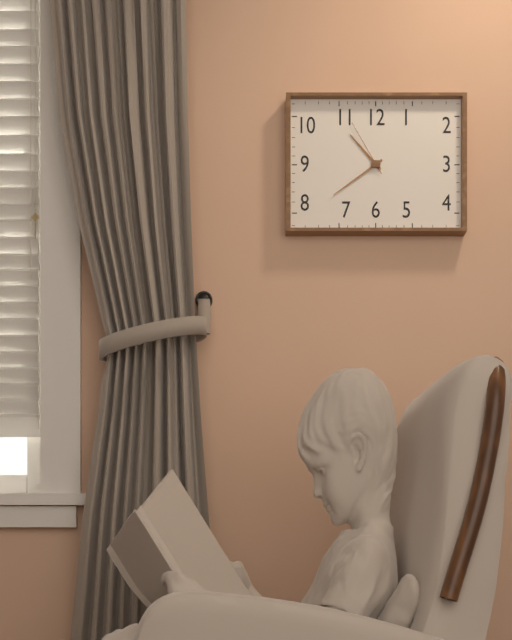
10:39:55
